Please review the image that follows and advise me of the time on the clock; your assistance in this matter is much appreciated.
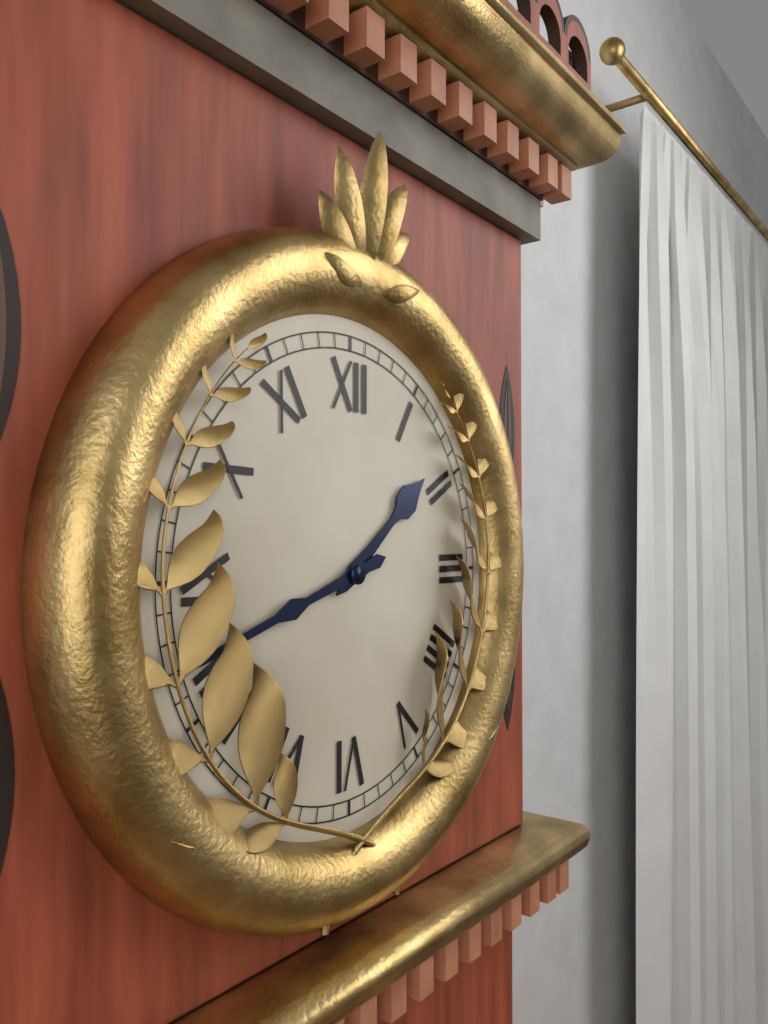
1:42
